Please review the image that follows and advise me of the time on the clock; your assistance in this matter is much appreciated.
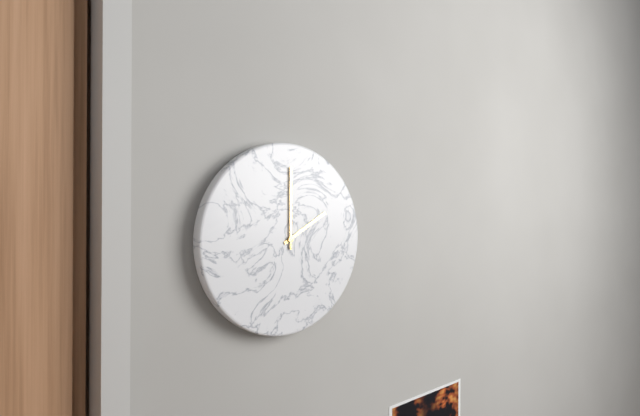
2:00
